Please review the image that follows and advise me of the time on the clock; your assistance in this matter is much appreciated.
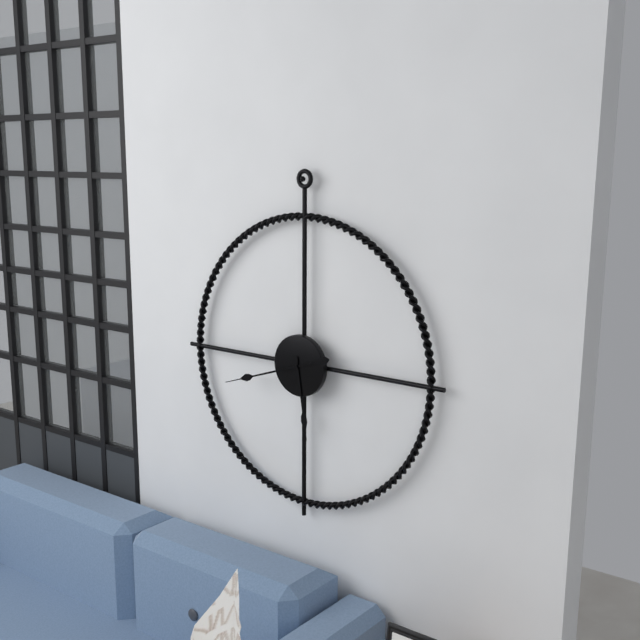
5:42
